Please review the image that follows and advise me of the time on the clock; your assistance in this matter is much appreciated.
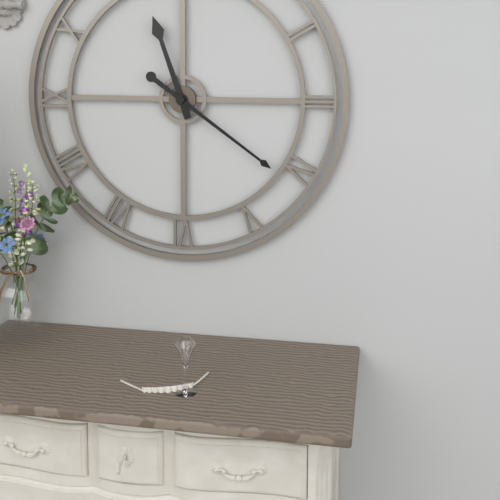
11:21
